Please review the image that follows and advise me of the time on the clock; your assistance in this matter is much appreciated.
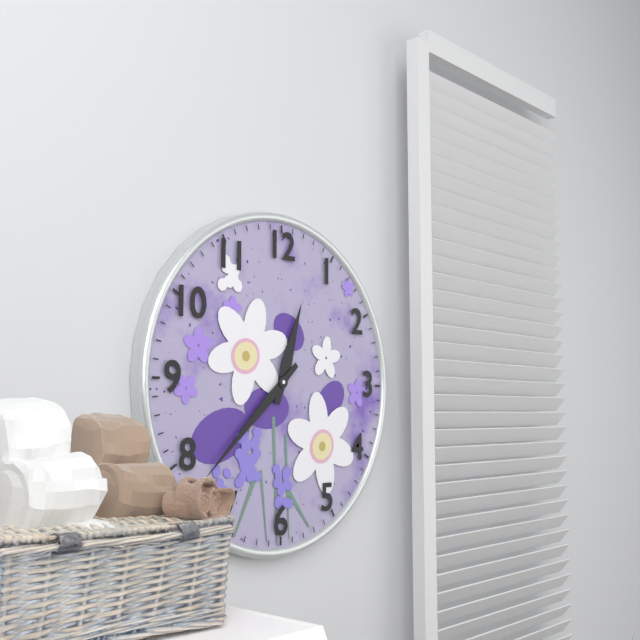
12:38
